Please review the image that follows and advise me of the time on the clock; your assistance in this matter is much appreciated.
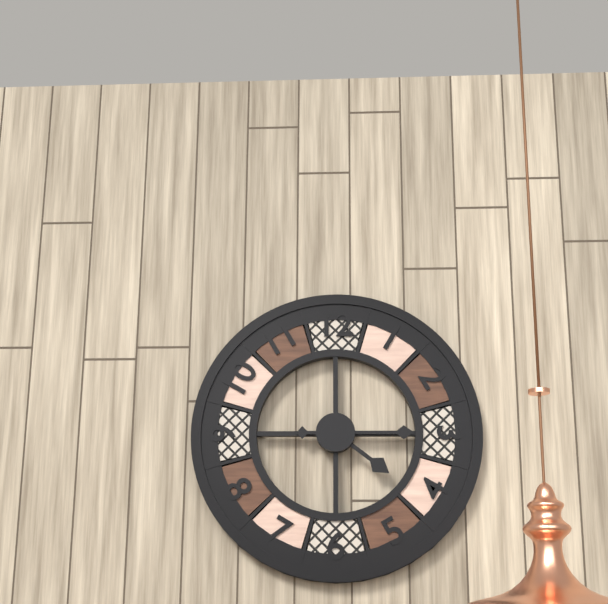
4:15
